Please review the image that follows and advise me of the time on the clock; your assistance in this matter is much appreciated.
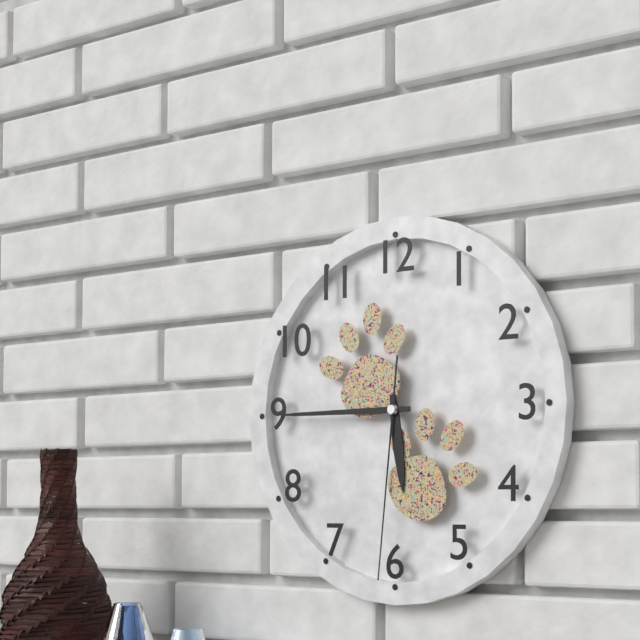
5:45:31
